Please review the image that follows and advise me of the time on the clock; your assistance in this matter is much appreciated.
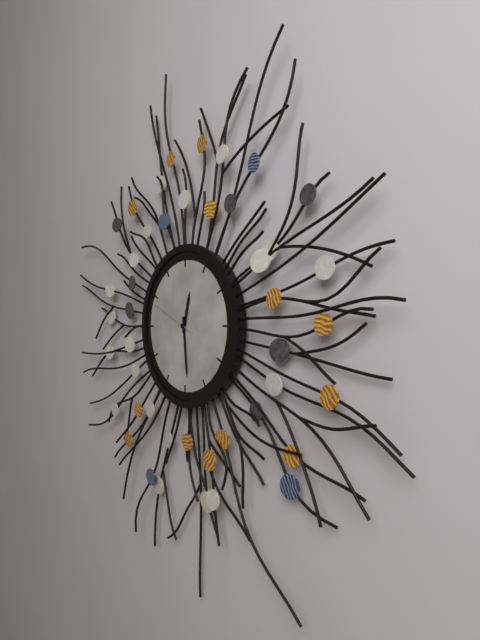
12:29
